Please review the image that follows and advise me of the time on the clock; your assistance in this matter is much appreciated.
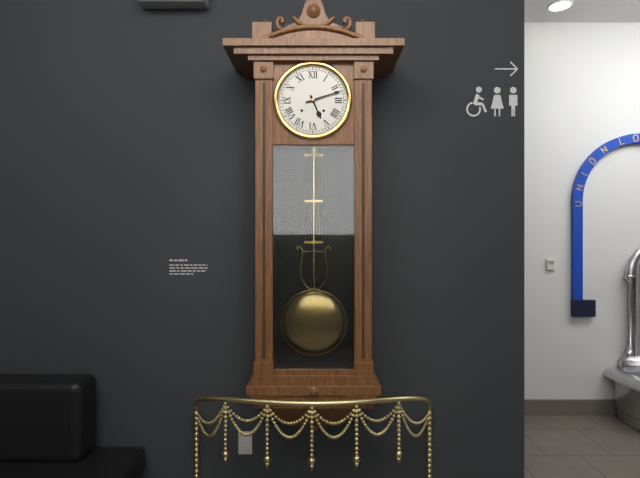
5:12
